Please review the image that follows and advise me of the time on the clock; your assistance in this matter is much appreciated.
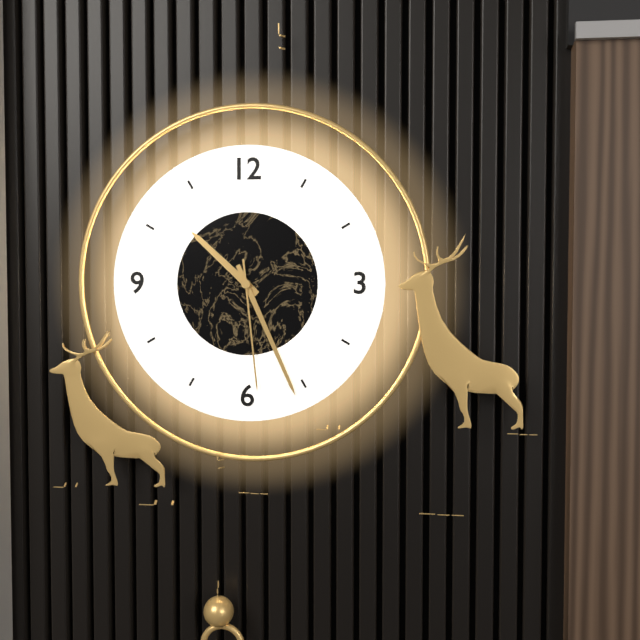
10:26:29
